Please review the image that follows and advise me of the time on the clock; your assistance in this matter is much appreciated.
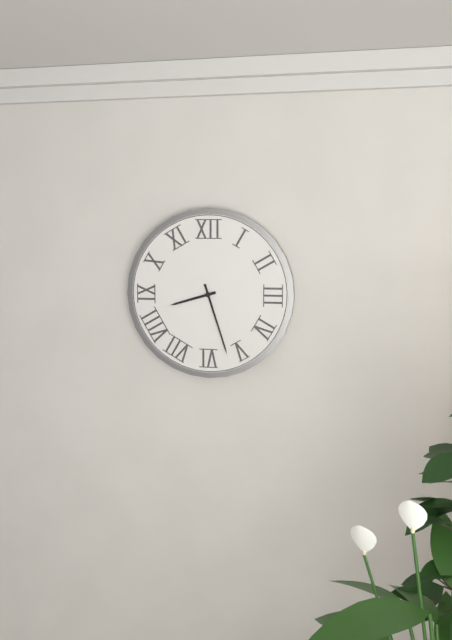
8:27
